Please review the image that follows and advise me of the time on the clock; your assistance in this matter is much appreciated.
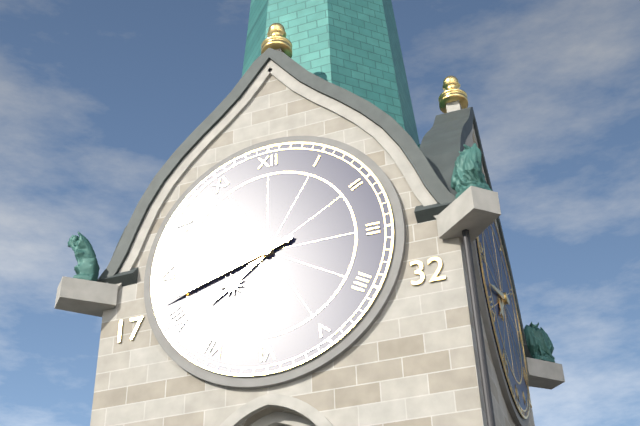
7:42
